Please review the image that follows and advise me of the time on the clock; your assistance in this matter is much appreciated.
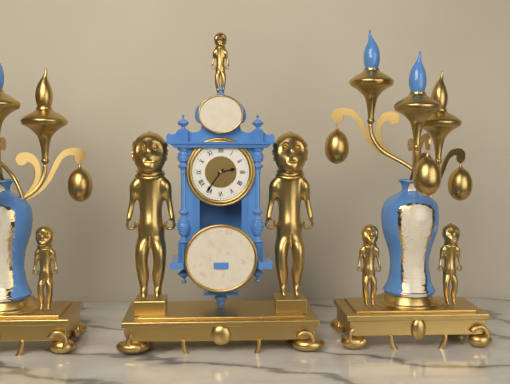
2:36
